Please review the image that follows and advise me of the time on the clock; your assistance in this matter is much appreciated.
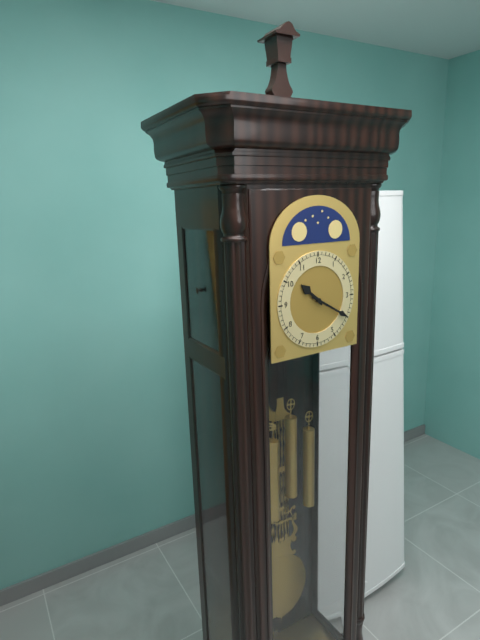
10:20
